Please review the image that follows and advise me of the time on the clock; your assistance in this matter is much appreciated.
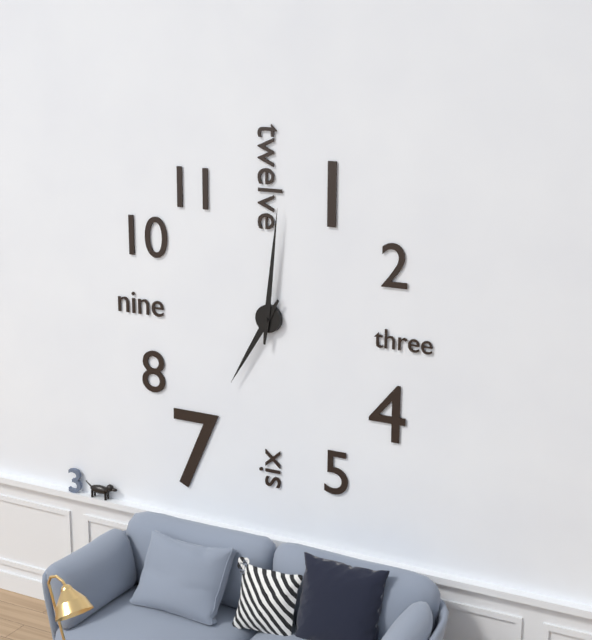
7:01
